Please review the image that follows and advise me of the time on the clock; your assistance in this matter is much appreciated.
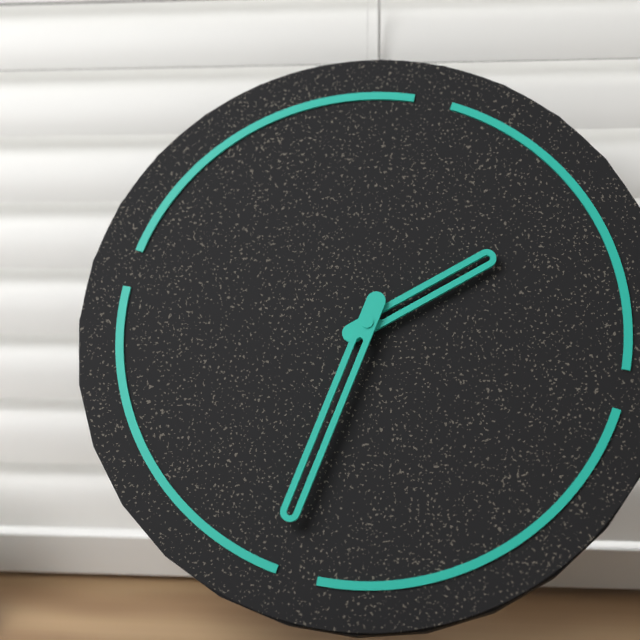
1:31
